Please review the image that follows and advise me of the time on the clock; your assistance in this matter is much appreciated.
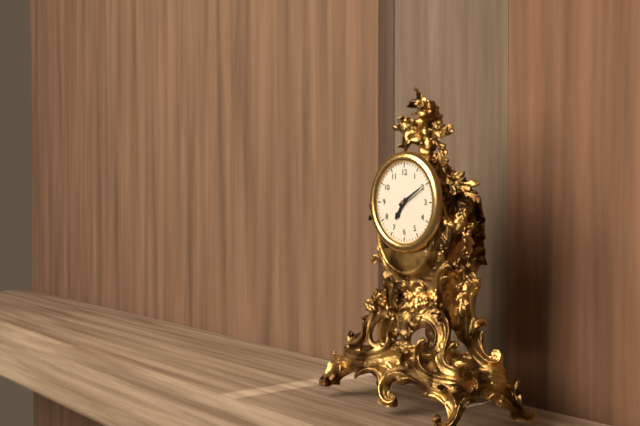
7:10
